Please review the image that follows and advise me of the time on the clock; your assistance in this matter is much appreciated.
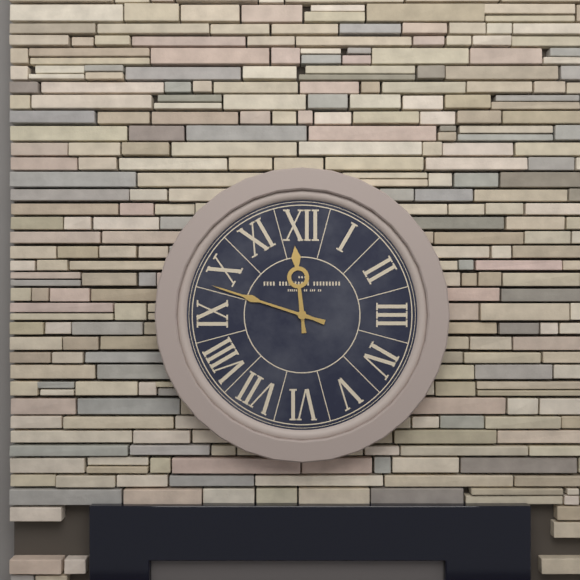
11:48
